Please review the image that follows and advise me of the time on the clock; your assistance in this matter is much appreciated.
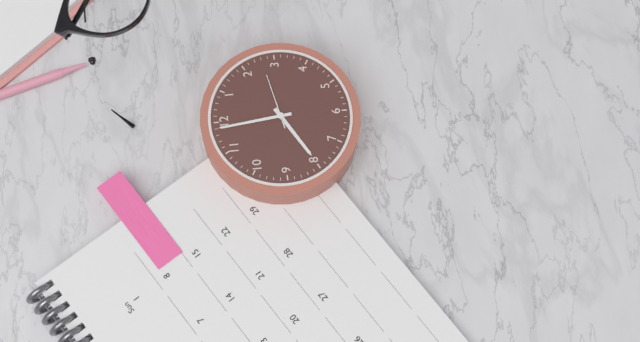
7:59:13
